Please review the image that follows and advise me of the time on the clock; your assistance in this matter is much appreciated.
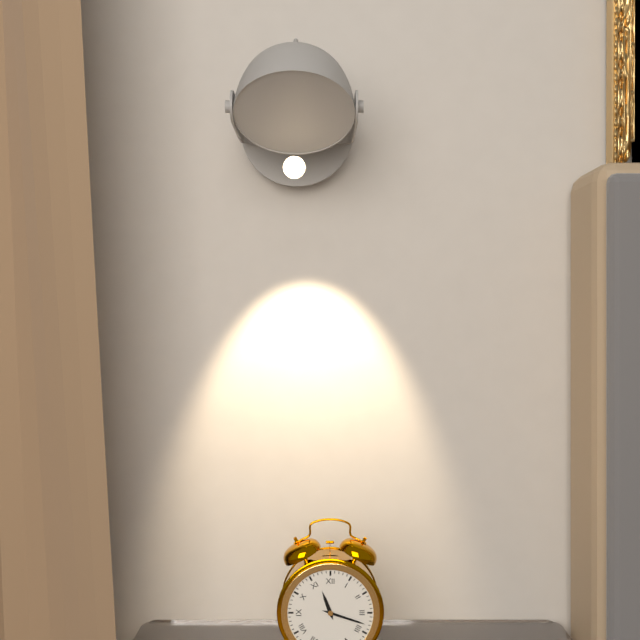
11:18
